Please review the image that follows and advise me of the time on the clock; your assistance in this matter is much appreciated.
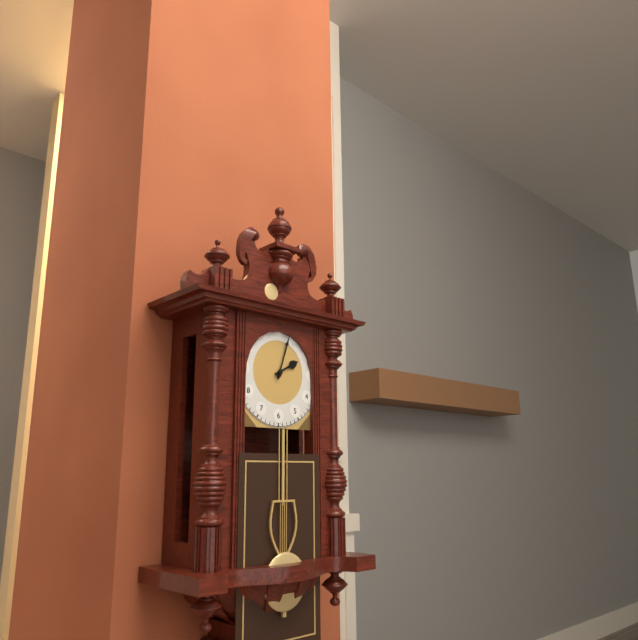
2:03
